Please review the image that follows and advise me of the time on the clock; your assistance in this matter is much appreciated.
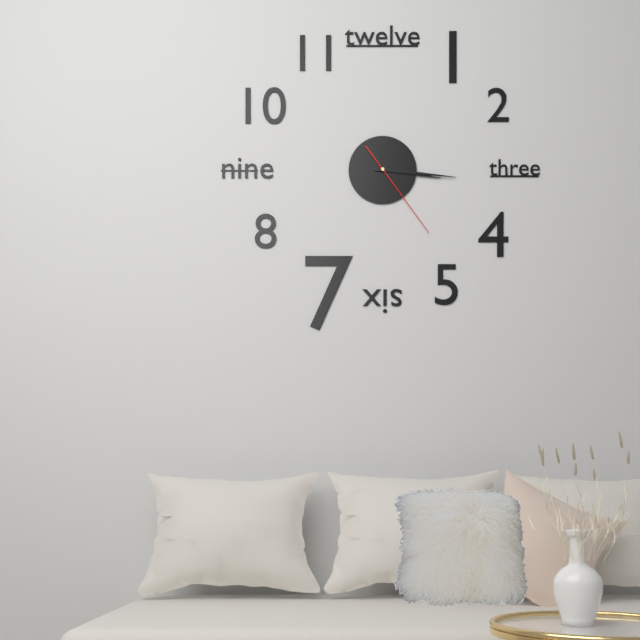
3:16:24
